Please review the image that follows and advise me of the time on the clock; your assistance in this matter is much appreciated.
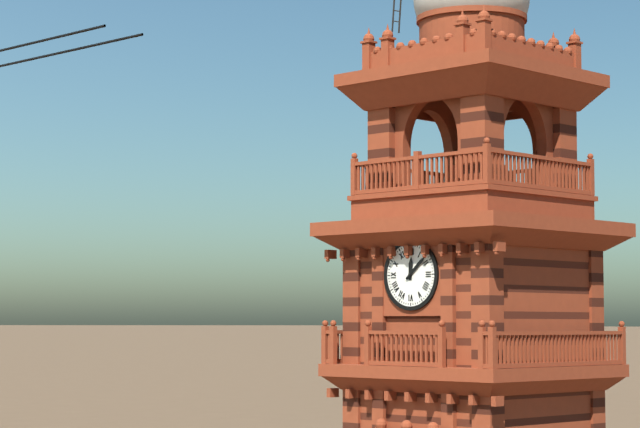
12:08
